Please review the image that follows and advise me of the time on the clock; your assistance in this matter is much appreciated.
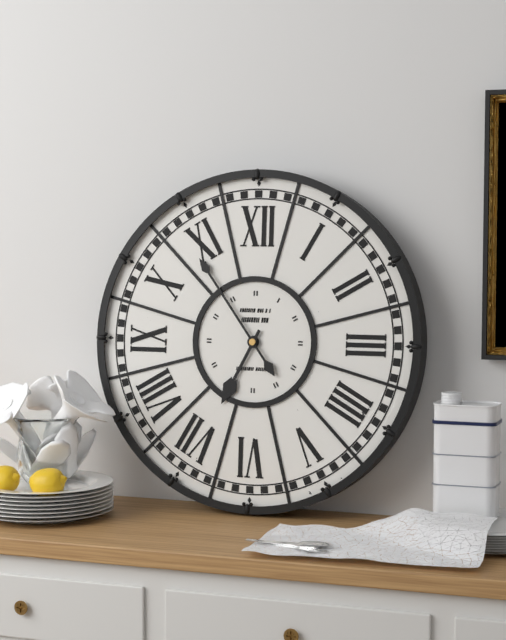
6:54
